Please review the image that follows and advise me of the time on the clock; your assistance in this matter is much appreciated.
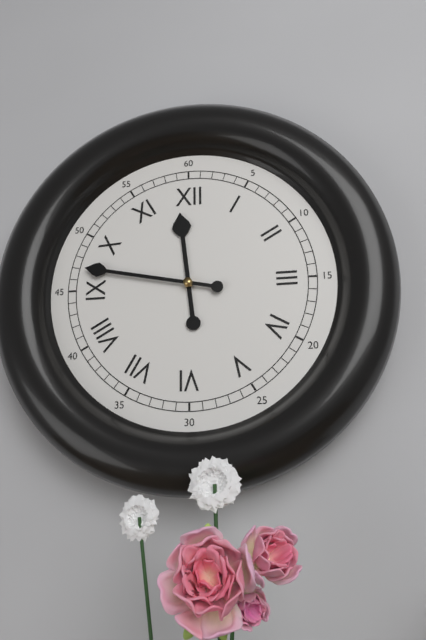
11:47
